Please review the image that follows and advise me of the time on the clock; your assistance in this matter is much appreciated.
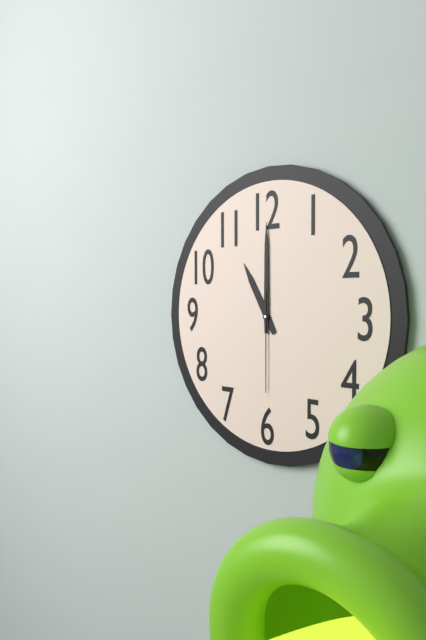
11:00:30
